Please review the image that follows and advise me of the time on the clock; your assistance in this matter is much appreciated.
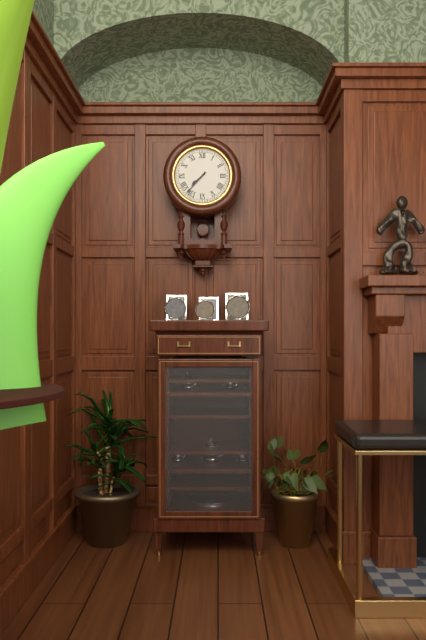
7:37
